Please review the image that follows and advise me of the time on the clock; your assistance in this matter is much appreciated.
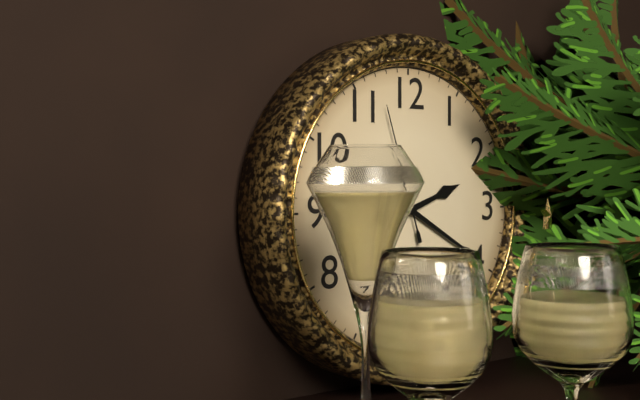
2:20:57
